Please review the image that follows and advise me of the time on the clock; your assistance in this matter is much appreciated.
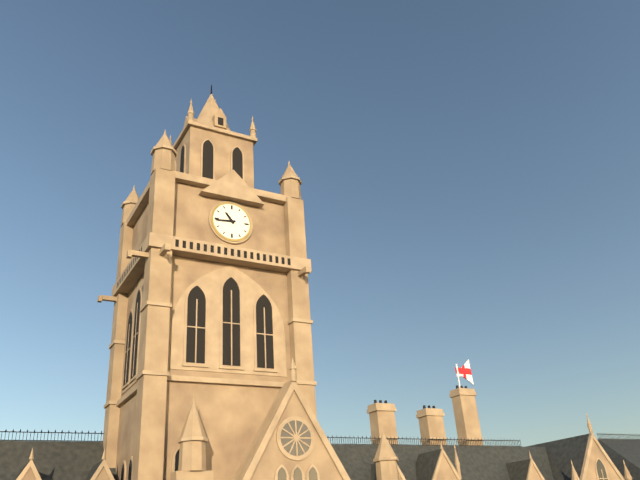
10:44
